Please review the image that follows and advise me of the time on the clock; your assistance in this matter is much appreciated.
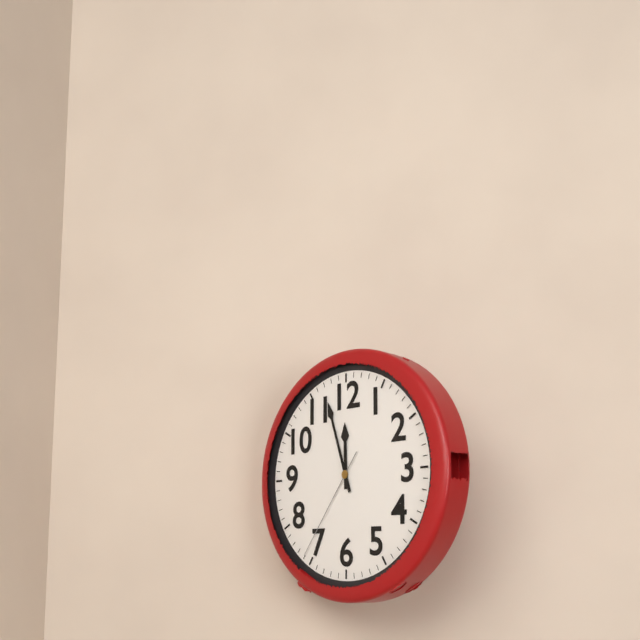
11:57:36
